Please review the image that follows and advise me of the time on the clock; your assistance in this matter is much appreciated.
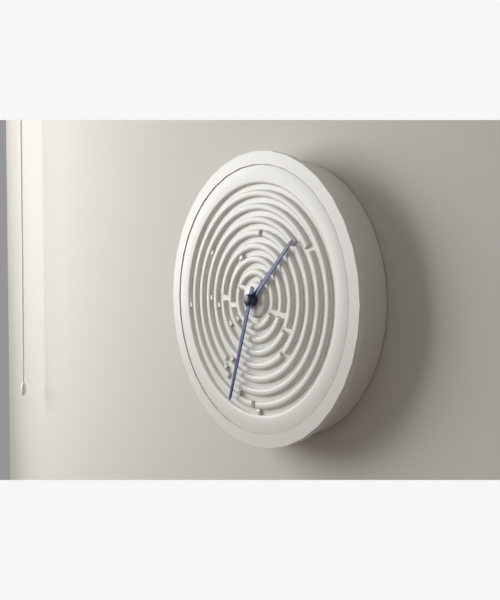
1:33
